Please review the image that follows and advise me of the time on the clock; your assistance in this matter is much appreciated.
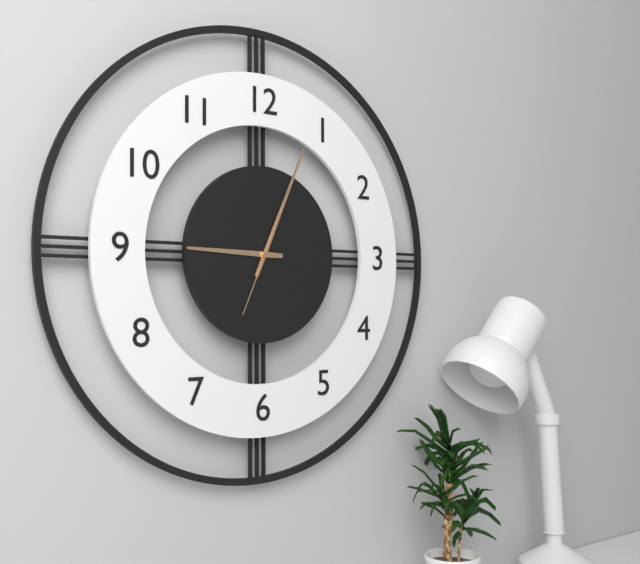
9:04:34
